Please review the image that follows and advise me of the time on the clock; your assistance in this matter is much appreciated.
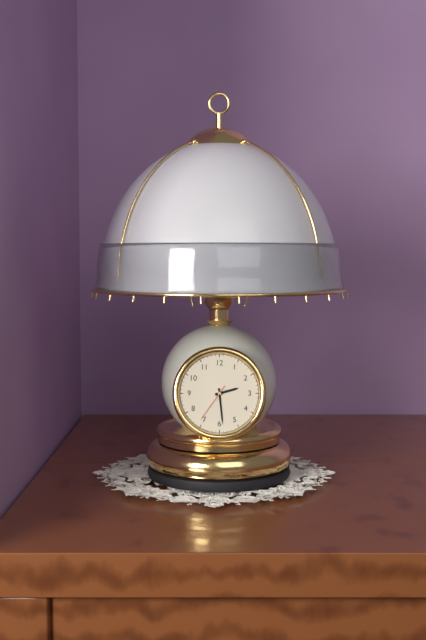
2:29
